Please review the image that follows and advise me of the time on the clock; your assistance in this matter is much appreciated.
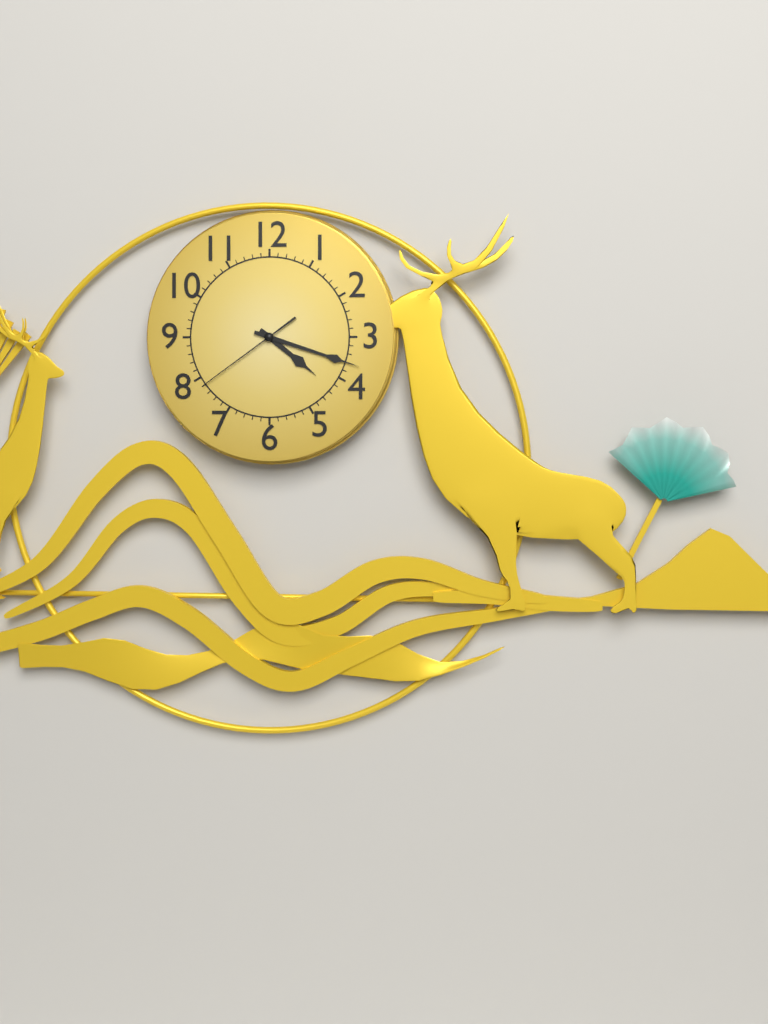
4:18:39
